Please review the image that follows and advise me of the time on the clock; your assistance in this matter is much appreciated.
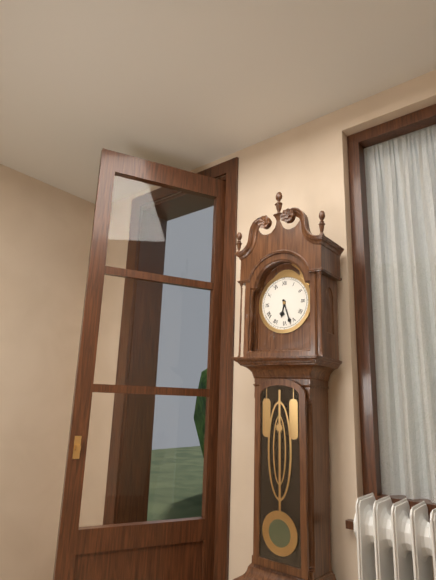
6:27
